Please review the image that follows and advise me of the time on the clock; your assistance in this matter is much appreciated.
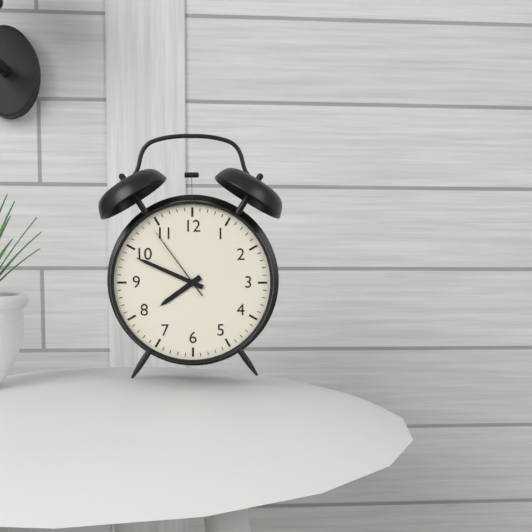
7:49:54
